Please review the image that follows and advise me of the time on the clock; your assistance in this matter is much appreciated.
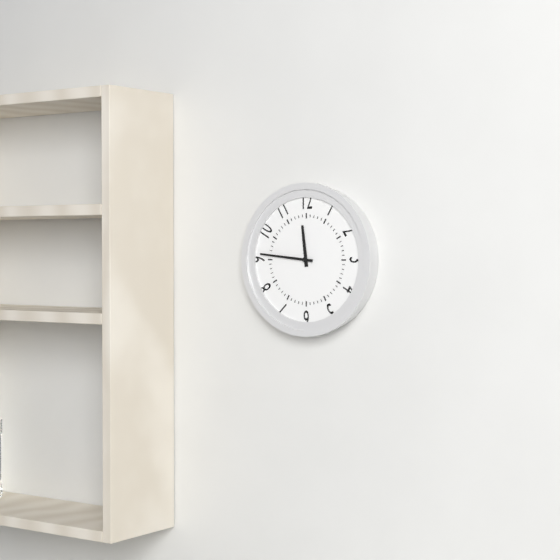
11:46
